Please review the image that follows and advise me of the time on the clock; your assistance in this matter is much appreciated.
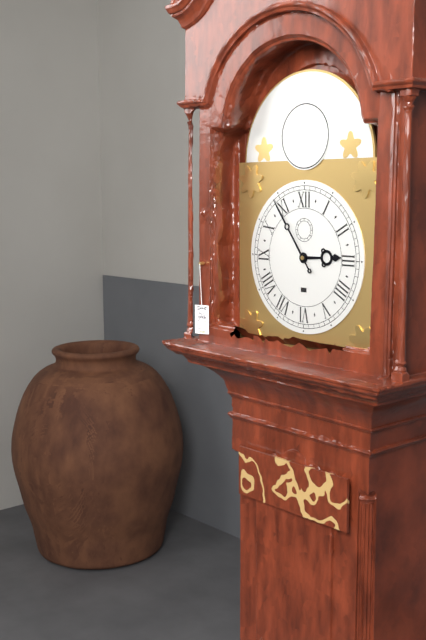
2:54
